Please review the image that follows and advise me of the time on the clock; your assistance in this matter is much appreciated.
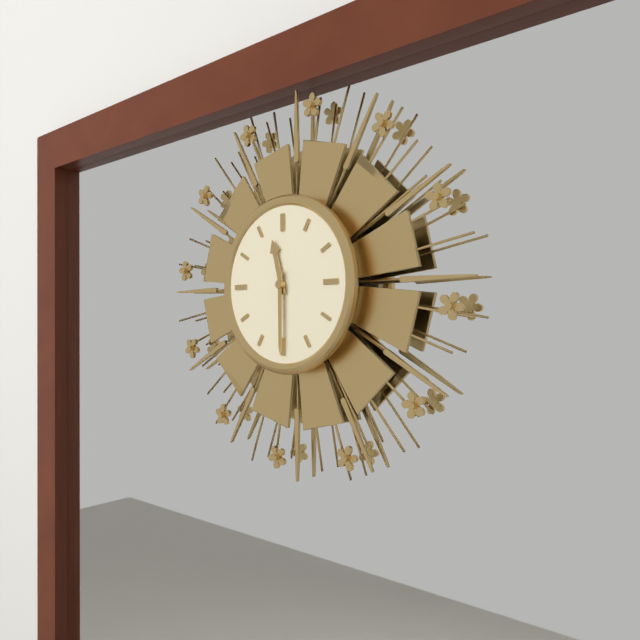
11:30
